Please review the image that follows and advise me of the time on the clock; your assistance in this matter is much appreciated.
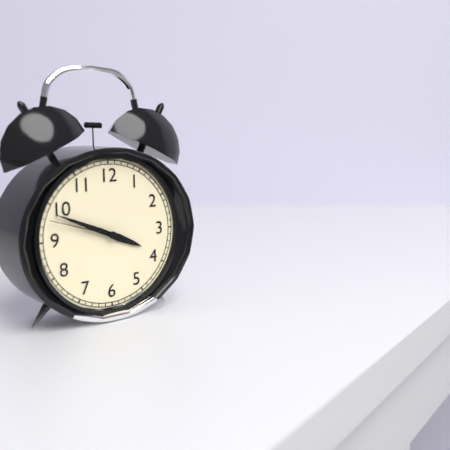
3:49:48
